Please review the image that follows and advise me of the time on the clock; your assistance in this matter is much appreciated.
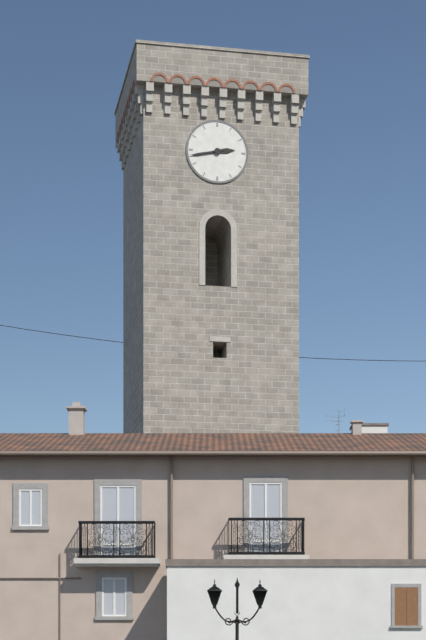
2:43
